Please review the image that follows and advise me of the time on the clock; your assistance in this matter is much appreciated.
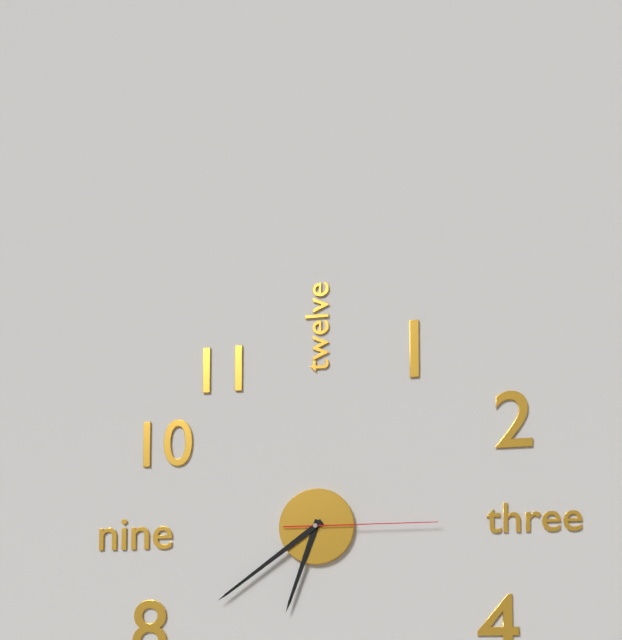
6:39:15
